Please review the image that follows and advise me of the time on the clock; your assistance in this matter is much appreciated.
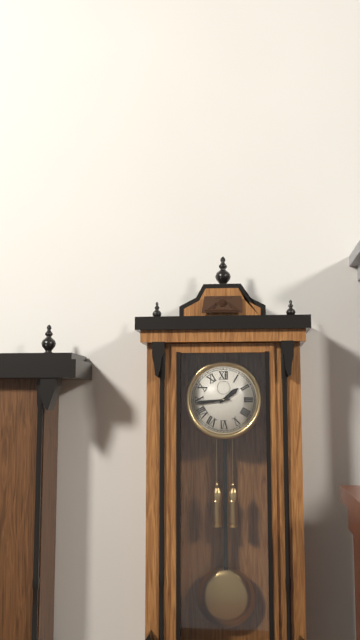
1:44
